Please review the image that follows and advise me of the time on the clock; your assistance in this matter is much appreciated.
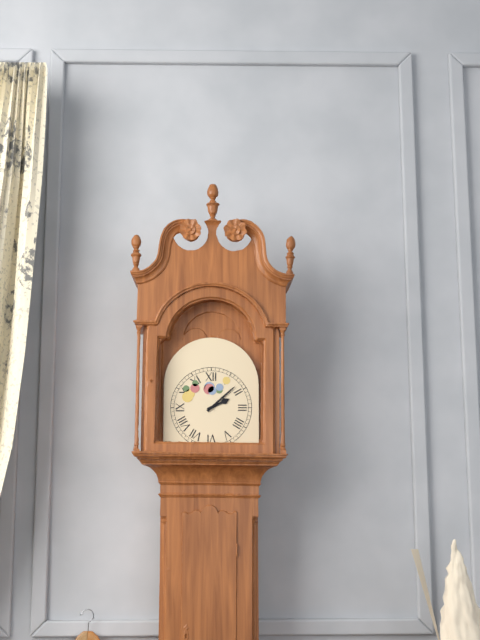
2:08
